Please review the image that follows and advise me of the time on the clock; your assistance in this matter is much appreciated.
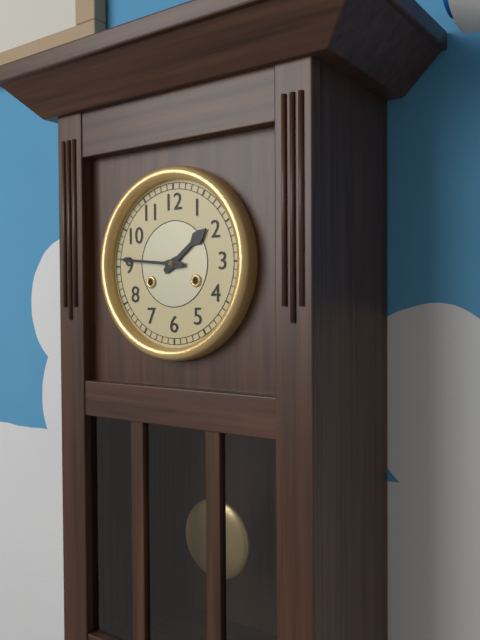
1:46
